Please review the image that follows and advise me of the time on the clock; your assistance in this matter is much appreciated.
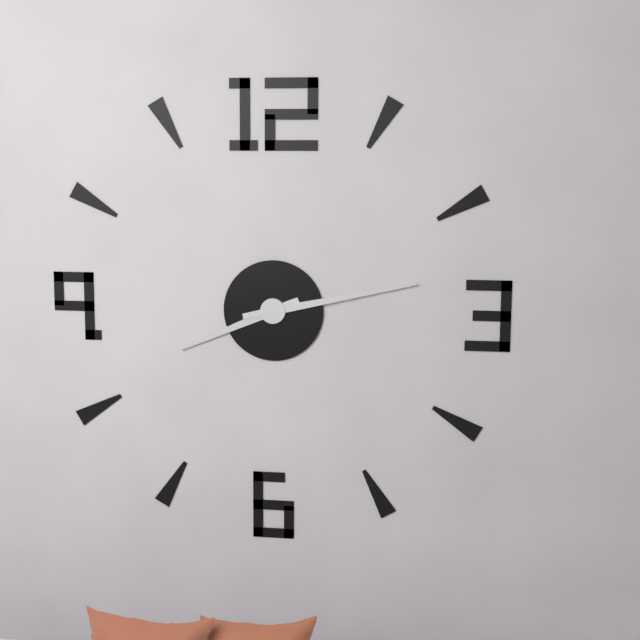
8:13
